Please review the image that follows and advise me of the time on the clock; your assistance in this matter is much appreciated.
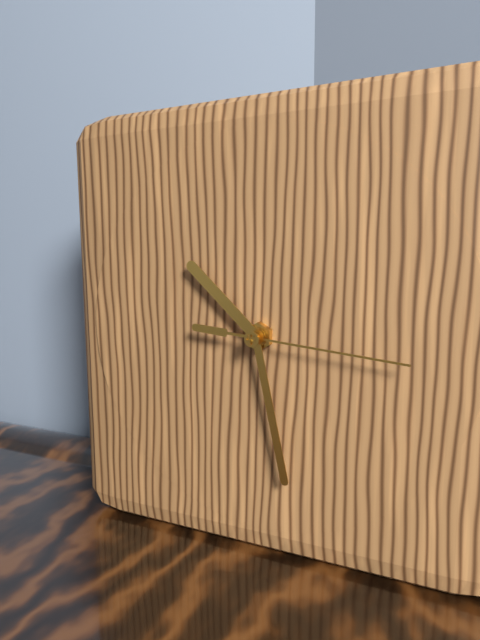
10:28:16
